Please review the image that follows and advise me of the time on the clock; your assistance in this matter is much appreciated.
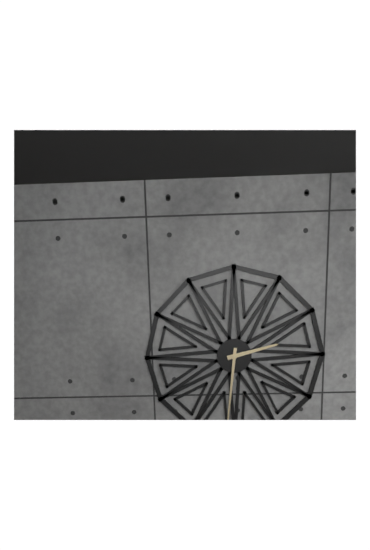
2:31
